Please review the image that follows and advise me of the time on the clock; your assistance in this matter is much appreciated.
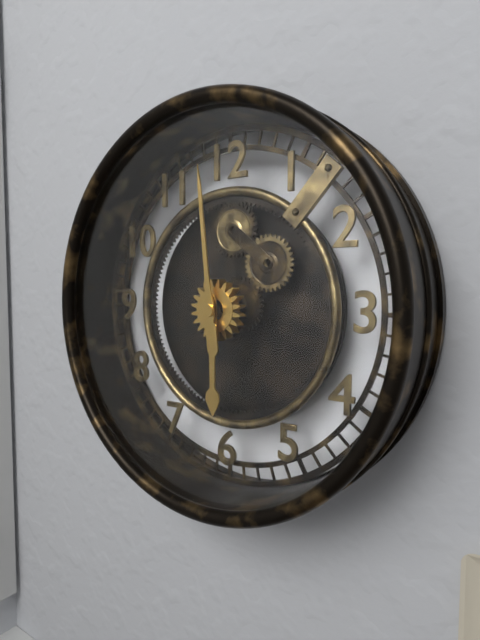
5:59
